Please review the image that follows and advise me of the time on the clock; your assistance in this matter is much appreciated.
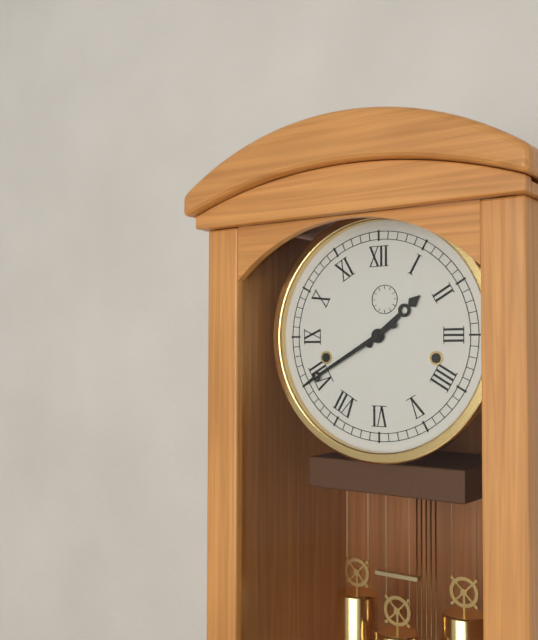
1:40
